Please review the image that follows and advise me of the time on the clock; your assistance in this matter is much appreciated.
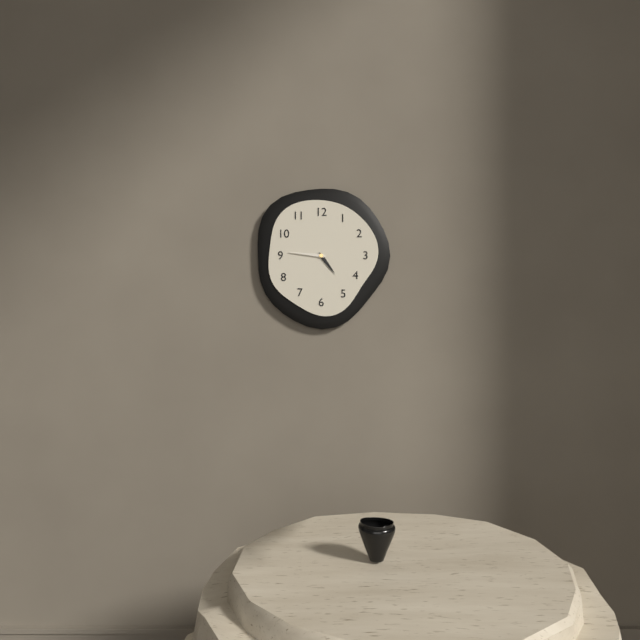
4:46
